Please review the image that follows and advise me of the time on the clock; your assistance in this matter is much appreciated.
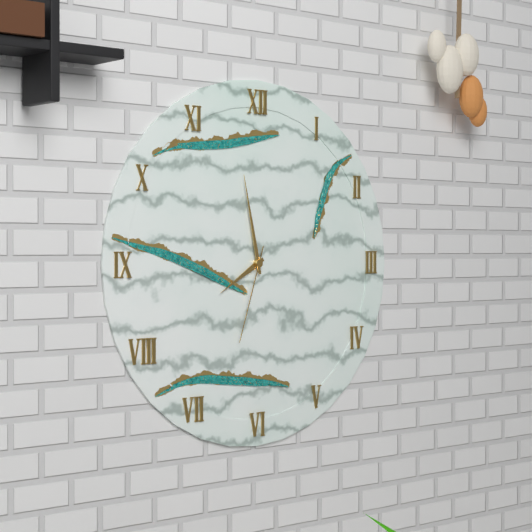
7:58:33
